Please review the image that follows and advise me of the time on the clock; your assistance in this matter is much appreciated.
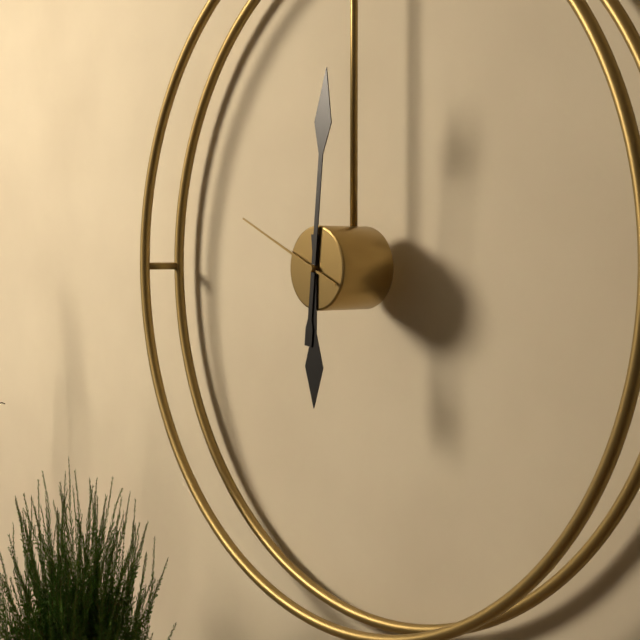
6:01:49
